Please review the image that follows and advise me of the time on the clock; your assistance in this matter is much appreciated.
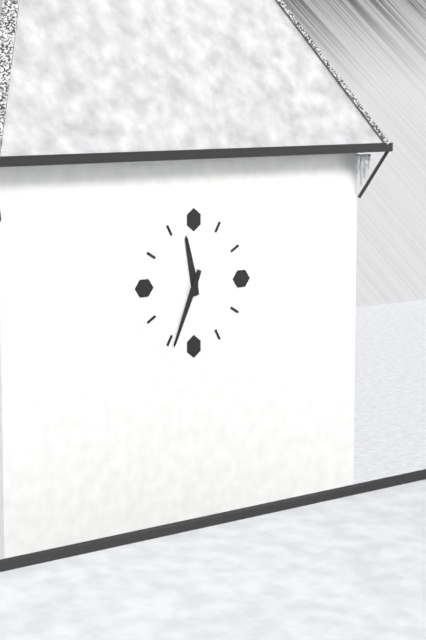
11:34
